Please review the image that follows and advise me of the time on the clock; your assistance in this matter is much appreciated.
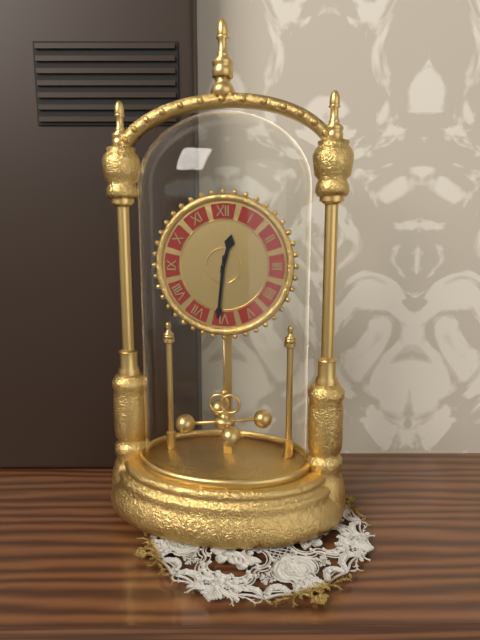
12:31
